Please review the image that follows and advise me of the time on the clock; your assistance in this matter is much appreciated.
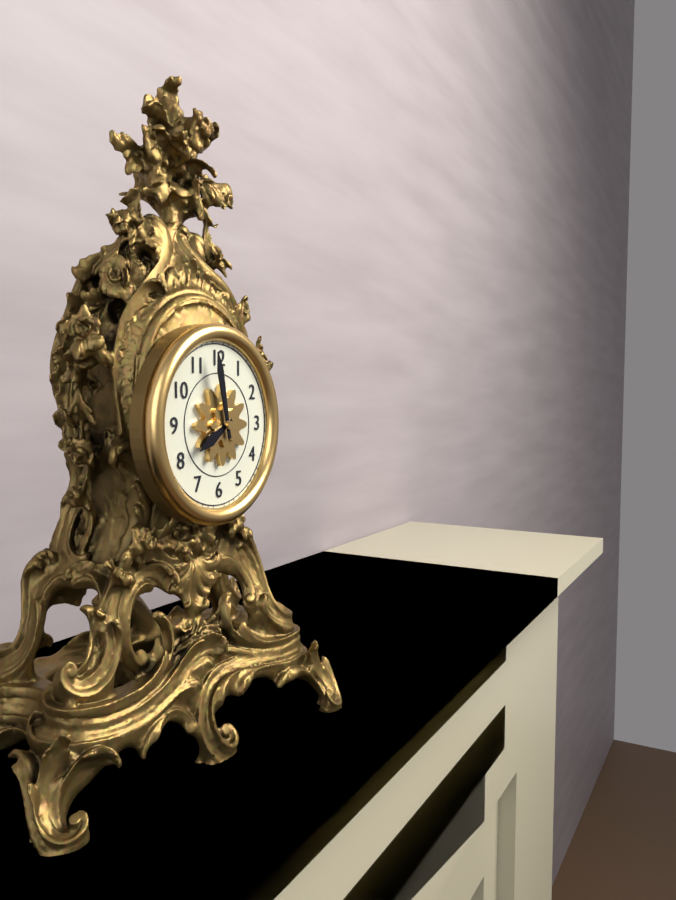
7:58
